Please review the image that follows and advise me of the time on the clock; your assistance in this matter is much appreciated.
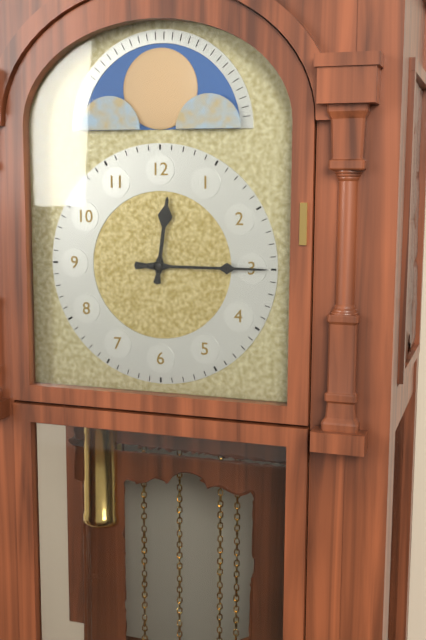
12:15
